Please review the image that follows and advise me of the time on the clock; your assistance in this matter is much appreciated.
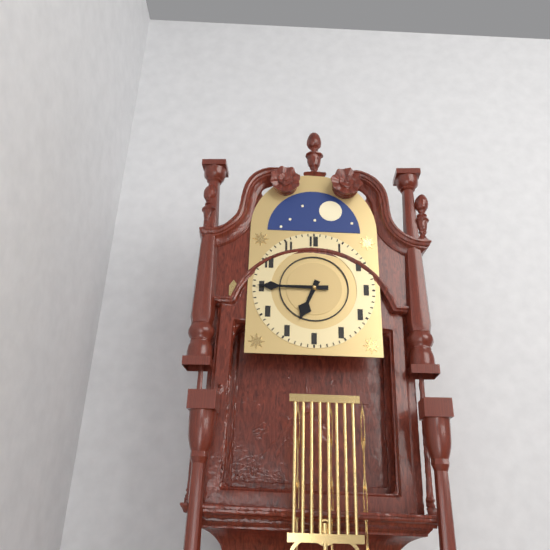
6:45
